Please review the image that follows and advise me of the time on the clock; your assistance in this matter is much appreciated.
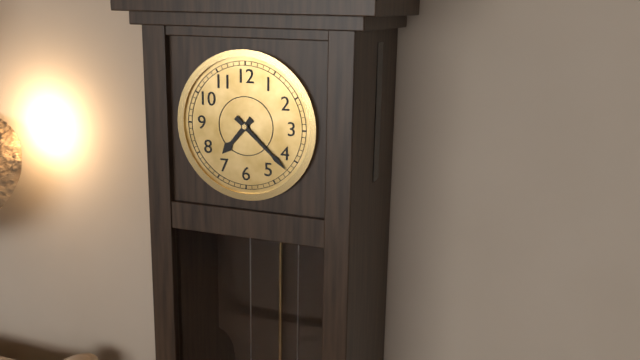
7:22
